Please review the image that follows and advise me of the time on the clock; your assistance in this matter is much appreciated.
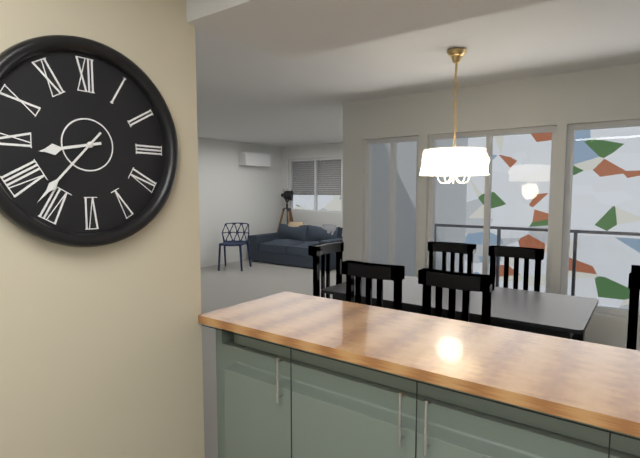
8:37
